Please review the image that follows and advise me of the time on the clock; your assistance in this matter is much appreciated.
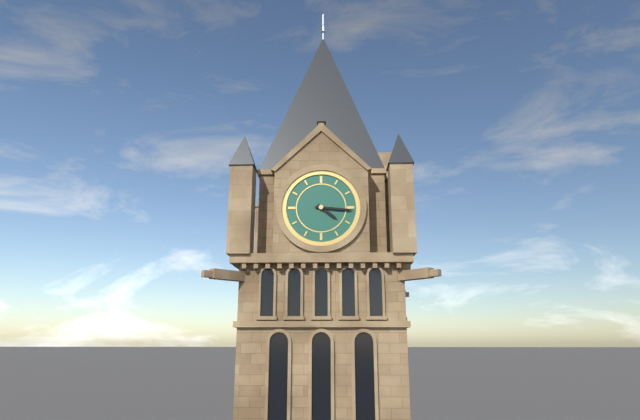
4:16
